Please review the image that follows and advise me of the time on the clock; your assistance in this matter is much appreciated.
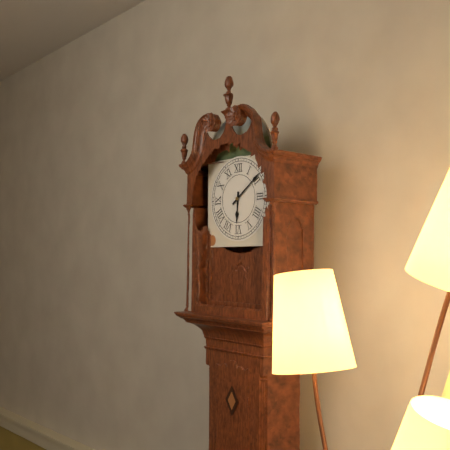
6:09
